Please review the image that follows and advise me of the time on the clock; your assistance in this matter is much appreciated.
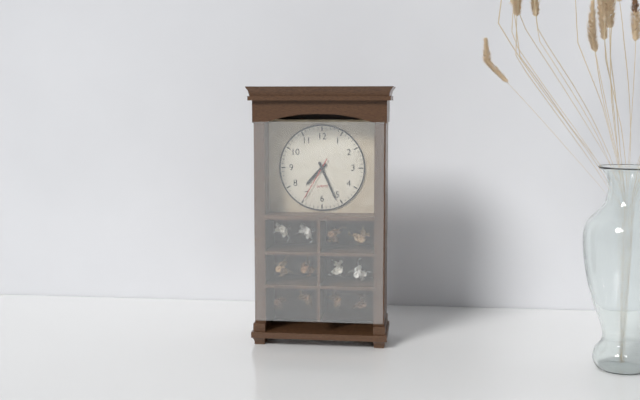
7:26
